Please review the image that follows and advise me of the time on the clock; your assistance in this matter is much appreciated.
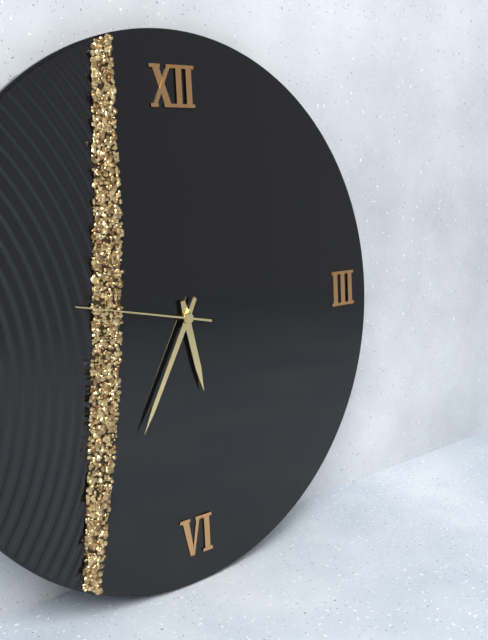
5:35:47
